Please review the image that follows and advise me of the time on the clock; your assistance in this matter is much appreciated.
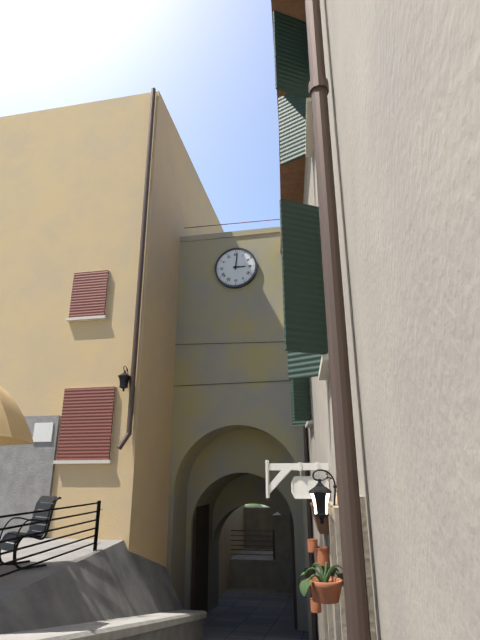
3:01
